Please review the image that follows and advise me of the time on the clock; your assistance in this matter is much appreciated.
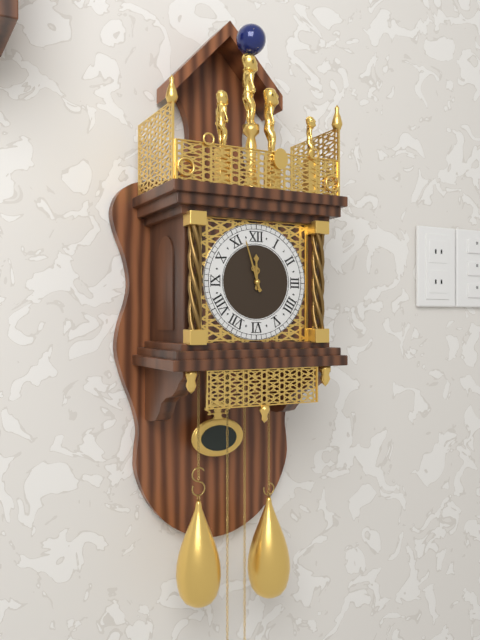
11:57
